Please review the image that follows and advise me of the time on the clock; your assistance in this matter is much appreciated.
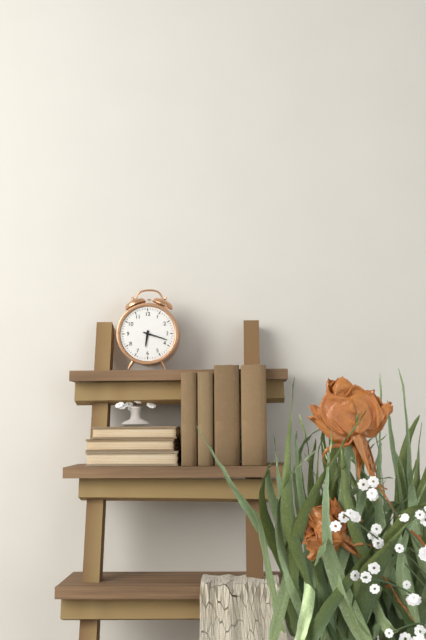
6:18
